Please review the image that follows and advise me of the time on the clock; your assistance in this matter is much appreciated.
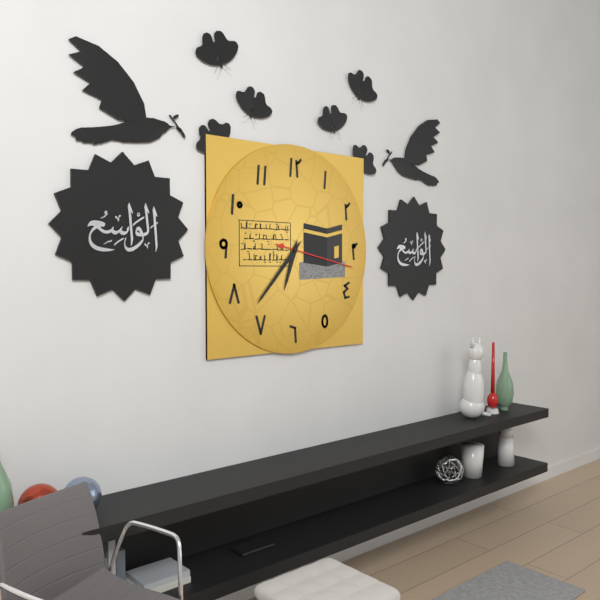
6:37:17
